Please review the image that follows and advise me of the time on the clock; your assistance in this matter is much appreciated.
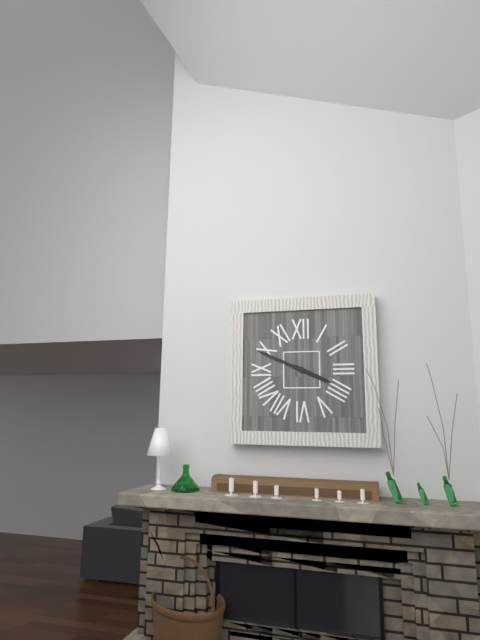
3:49
